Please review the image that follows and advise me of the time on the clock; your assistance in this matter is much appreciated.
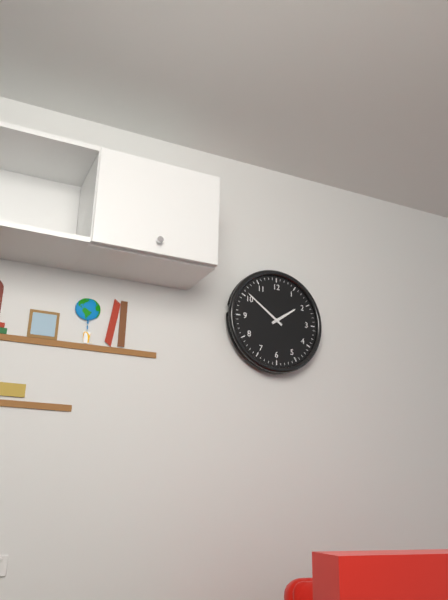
1:51
